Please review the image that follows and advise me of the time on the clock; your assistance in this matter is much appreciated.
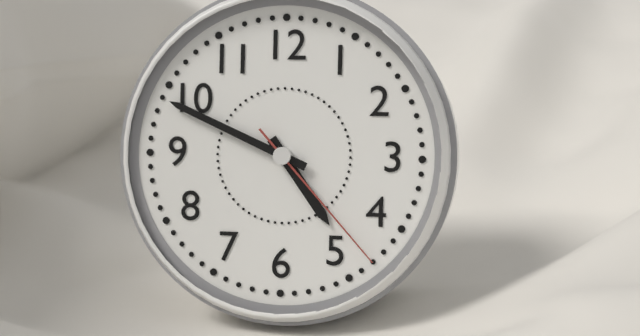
4:49:23
